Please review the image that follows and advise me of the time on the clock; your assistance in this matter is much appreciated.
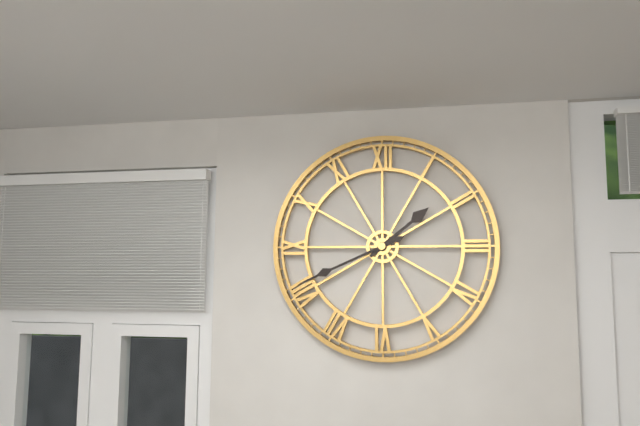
1:41
